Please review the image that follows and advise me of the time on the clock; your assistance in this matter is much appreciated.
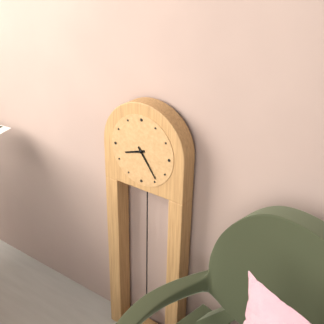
8:24
